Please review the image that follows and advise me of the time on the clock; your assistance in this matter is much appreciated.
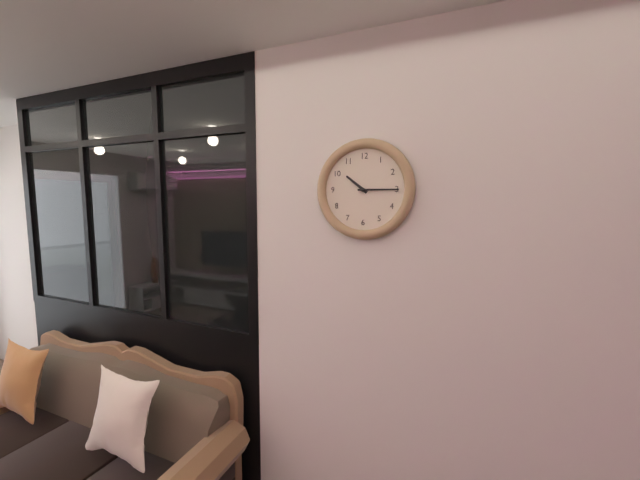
10:15
